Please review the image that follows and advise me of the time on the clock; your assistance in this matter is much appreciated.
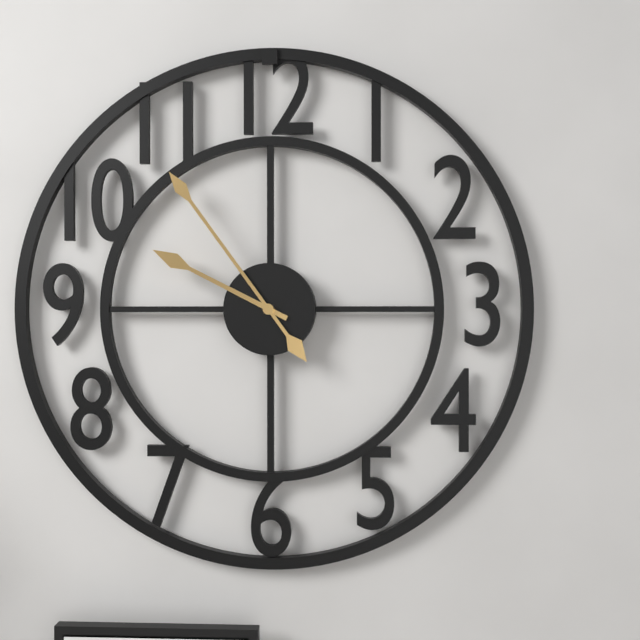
9:54
